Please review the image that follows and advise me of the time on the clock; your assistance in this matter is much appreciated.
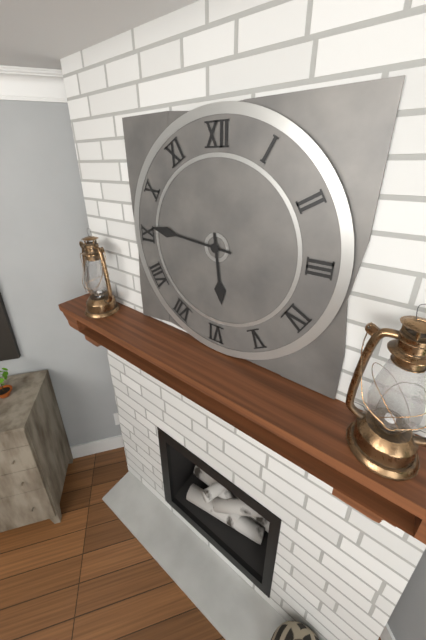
5:46
